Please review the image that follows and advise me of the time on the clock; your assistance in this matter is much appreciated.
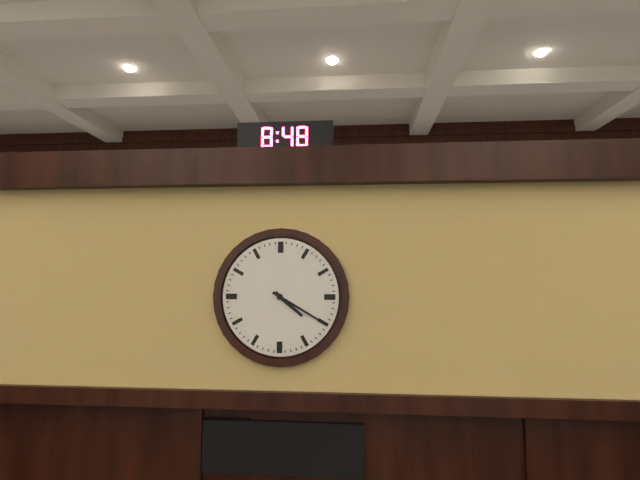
4:20
